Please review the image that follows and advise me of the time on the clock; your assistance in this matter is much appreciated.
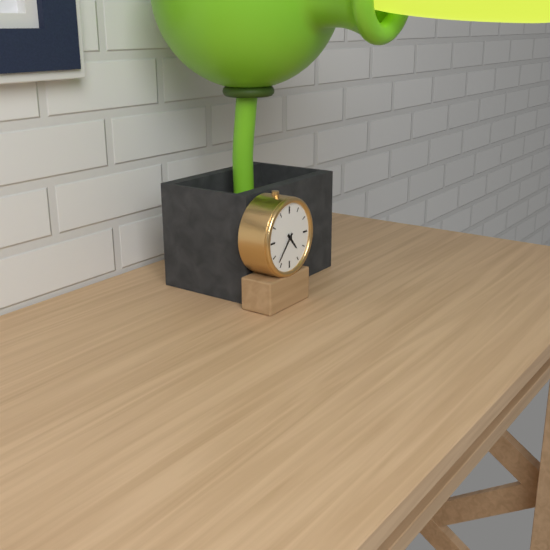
4:37
